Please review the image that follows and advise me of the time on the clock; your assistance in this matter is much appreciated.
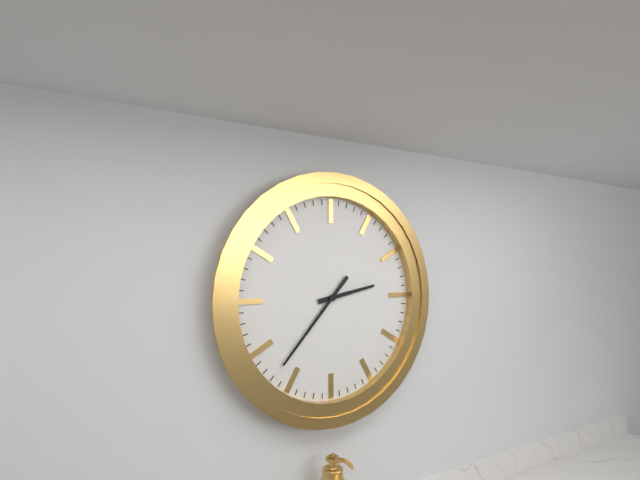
2:37
